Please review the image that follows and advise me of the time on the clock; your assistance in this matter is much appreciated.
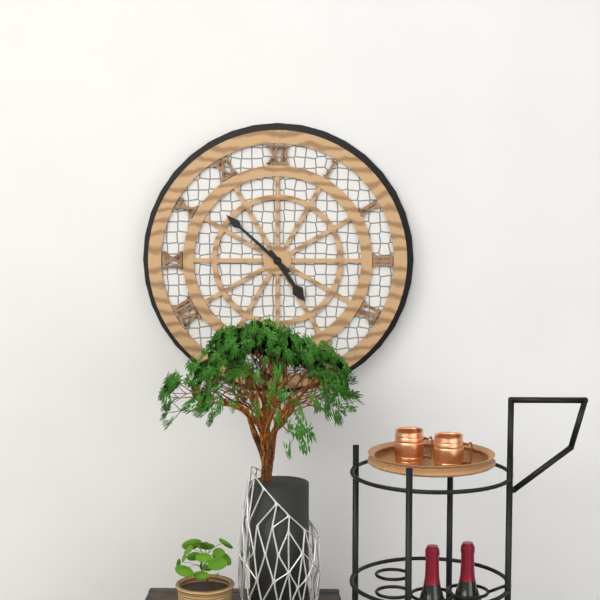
4:52
